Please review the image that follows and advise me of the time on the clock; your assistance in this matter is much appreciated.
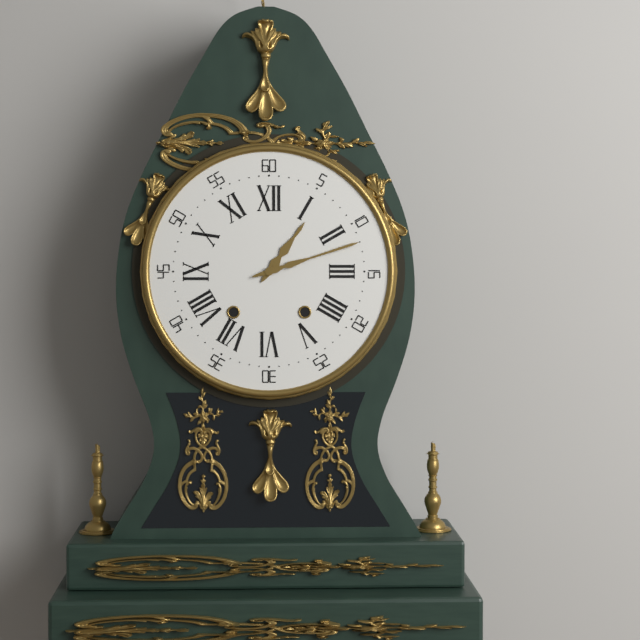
1:12
